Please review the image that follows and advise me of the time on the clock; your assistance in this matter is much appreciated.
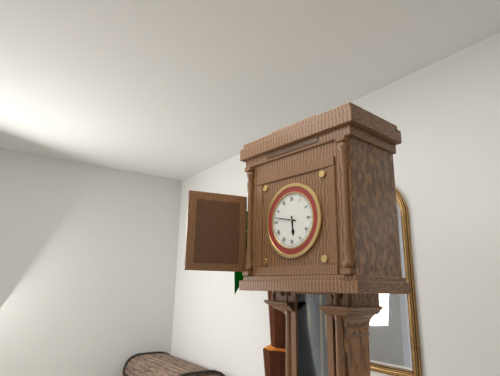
5:47
